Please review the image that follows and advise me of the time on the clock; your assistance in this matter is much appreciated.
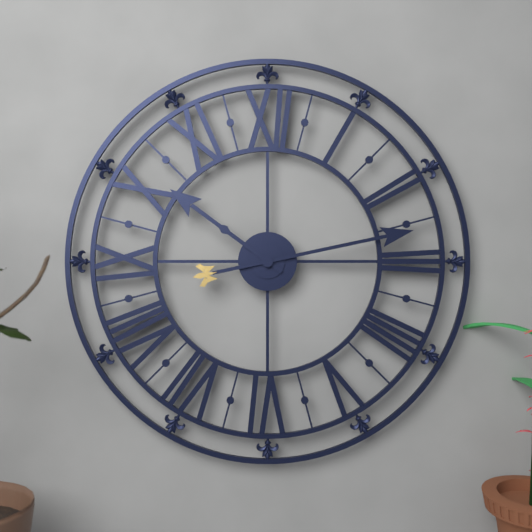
10:13
